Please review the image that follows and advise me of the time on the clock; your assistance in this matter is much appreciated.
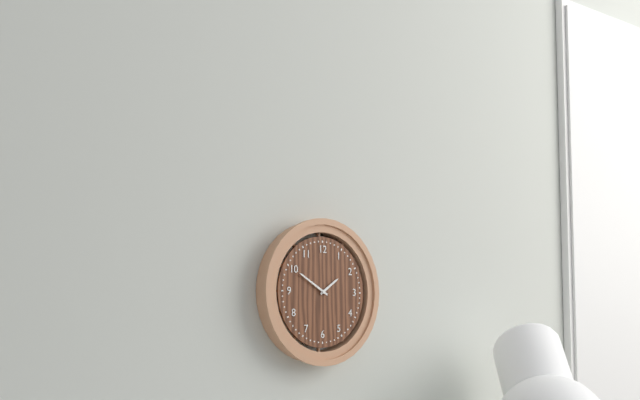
1:50
